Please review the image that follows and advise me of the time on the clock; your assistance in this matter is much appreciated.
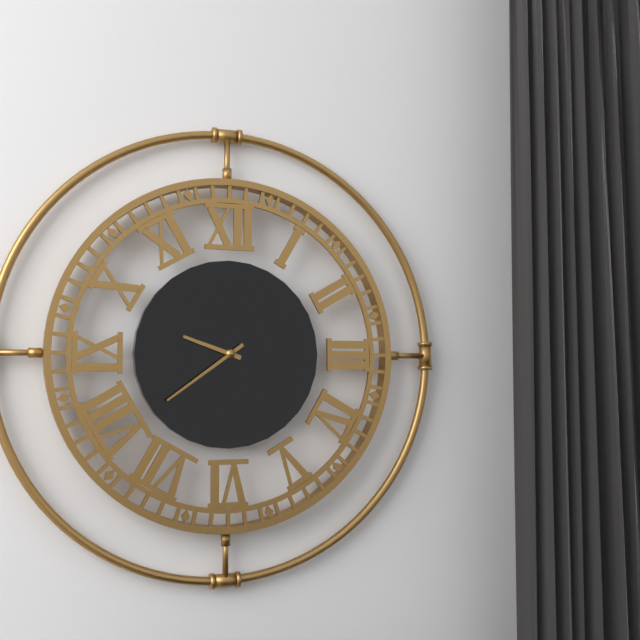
9:39
